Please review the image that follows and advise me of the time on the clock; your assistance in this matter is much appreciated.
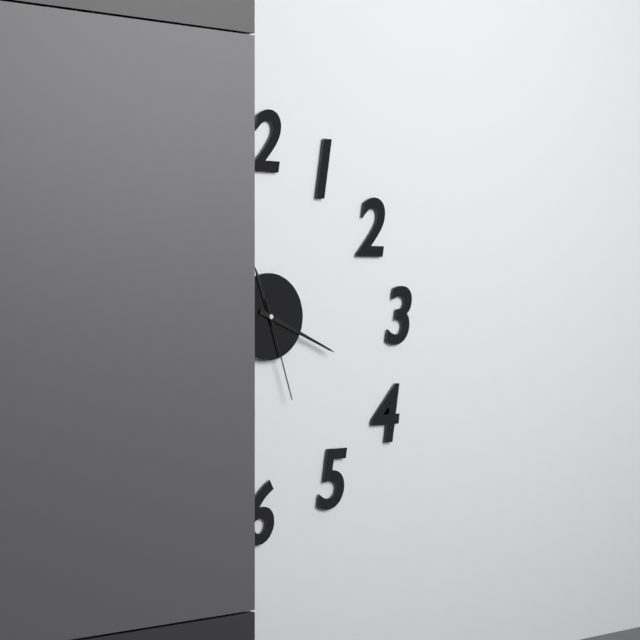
11:19:27
